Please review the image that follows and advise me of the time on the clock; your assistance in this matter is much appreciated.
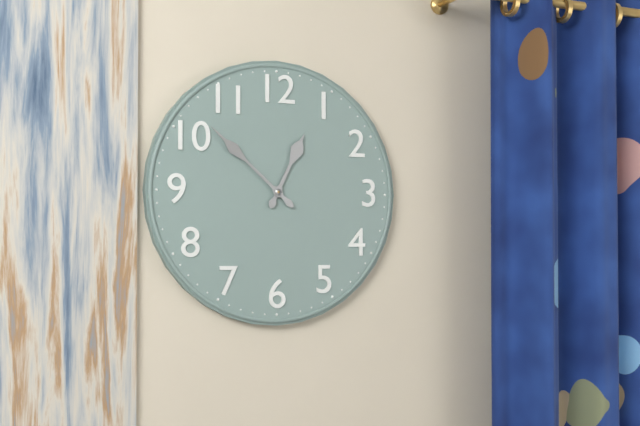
12:52
